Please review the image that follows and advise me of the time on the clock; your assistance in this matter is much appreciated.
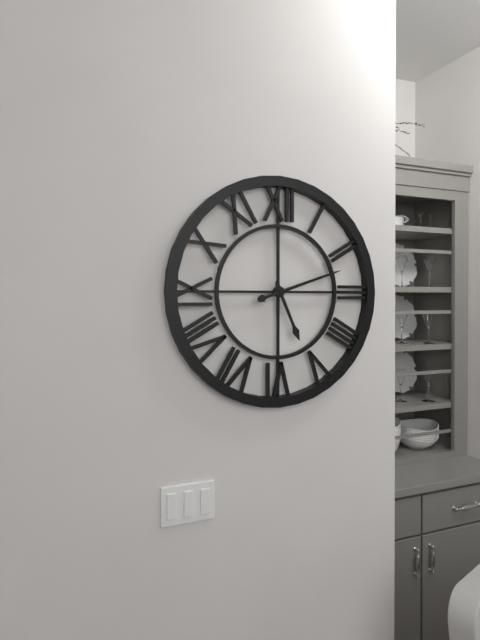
5:12
